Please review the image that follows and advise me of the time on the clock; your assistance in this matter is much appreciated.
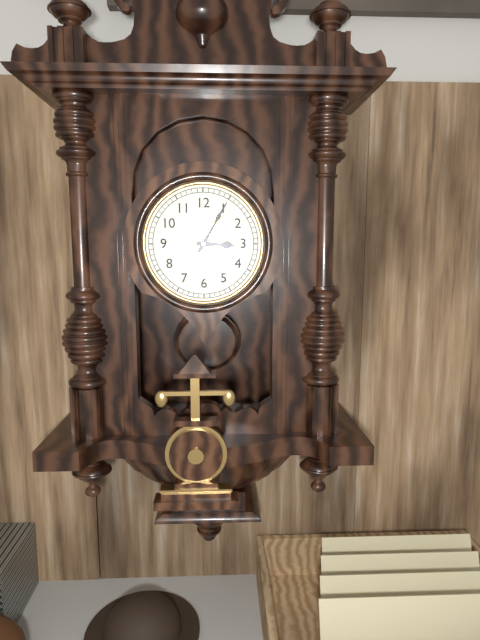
3:05
